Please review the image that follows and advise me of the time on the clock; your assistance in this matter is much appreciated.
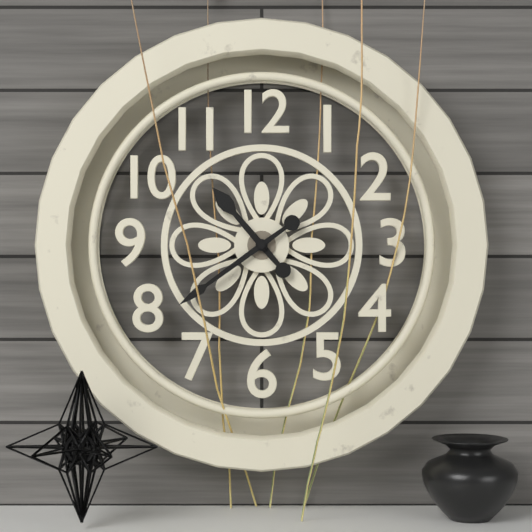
10:39
